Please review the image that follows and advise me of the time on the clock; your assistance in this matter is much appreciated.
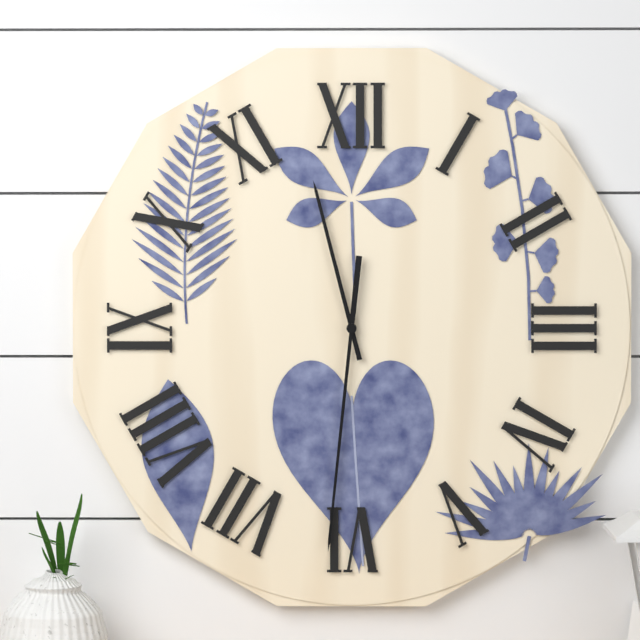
11:31
